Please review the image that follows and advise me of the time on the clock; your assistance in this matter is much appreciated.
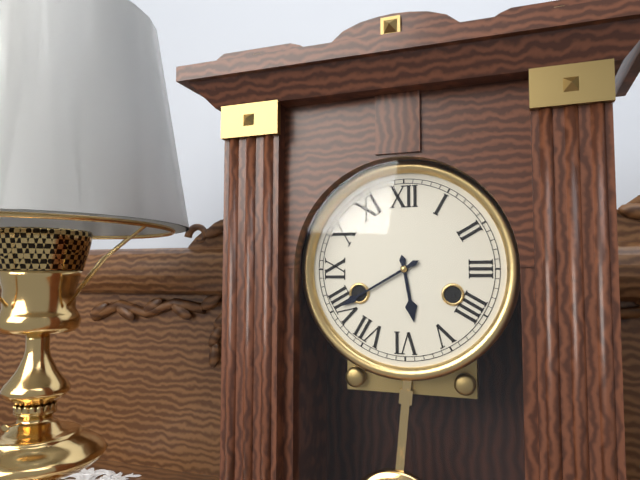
5:40
